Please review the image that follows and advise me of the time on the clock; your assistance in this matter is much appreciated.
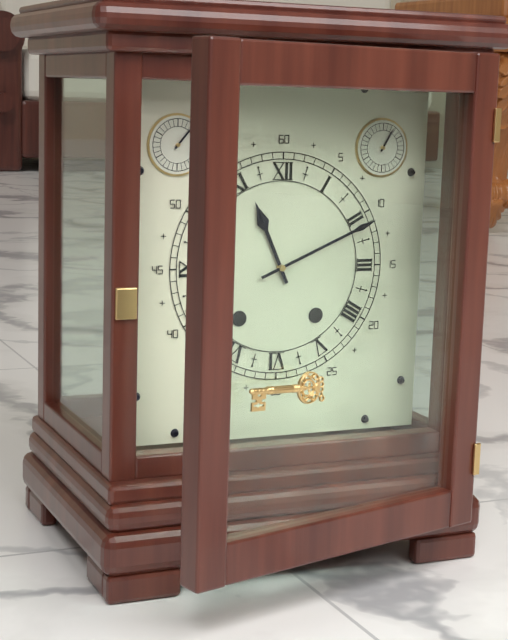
11:11
